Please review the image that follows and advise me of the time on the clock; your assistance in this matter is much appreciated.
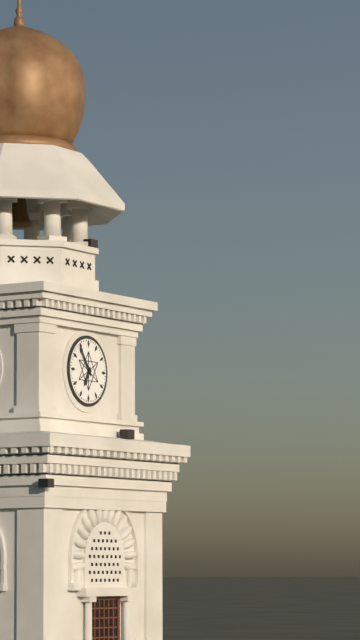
6:54
